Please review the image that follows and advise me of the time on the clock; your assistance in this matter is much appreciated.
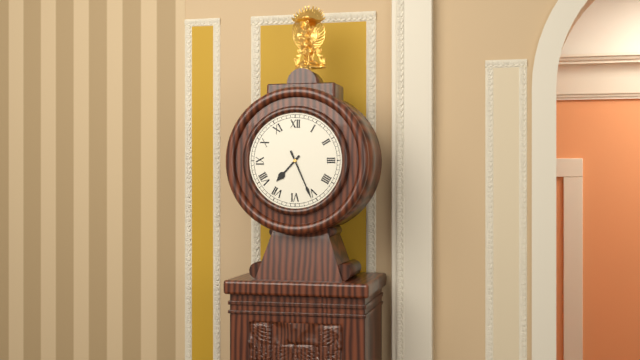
7:26
